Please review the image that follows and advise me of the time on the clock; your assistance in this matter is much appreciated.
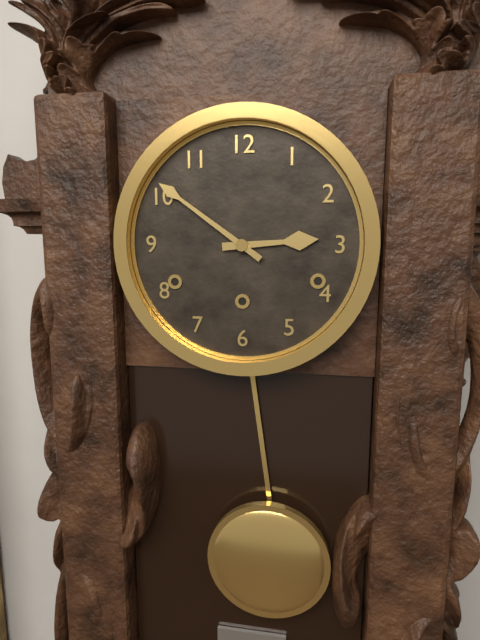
2:51
